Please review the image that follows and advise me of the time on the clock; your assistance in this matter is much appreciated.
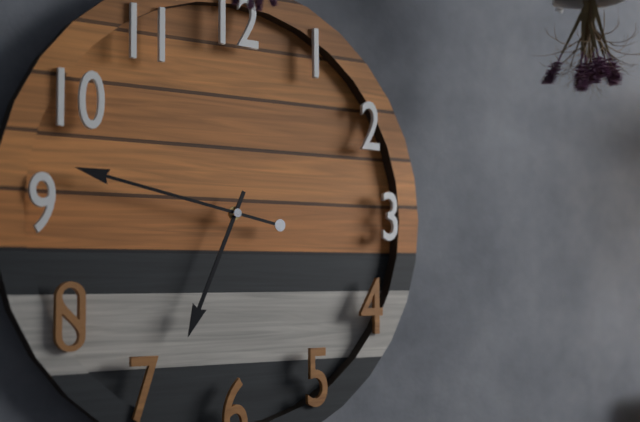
6:47
